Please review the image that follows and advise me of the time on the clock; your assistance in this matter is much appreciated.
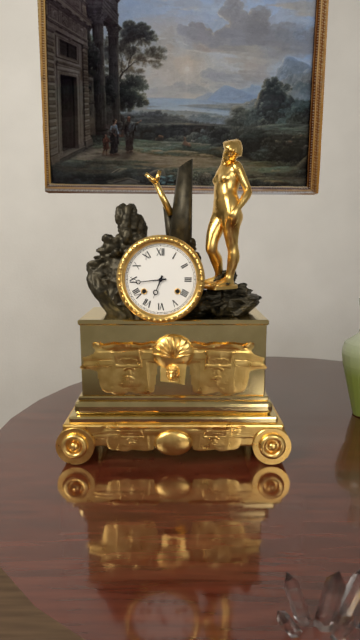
6:44
